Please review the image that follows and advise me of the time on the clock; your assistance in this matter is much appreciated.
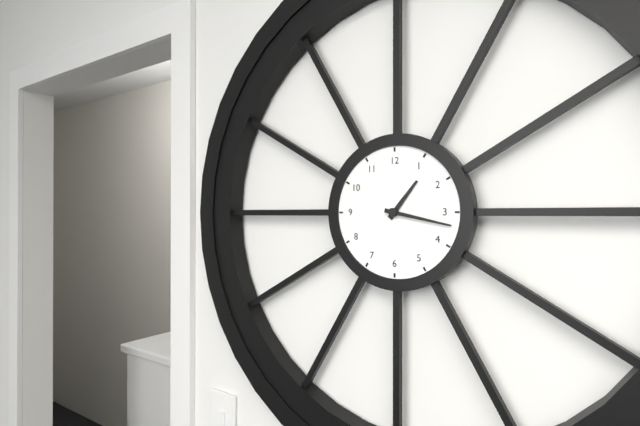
1:17
